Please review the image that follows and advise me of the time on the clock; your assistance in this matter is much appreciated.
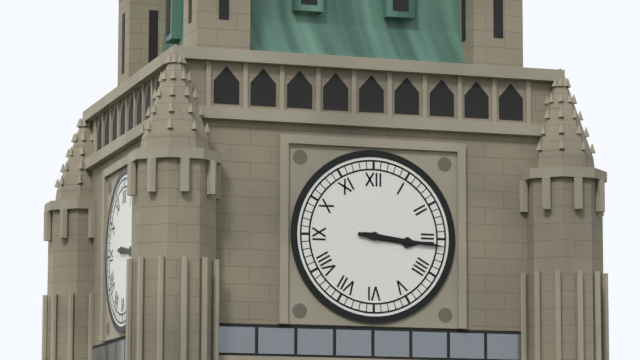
3:16
